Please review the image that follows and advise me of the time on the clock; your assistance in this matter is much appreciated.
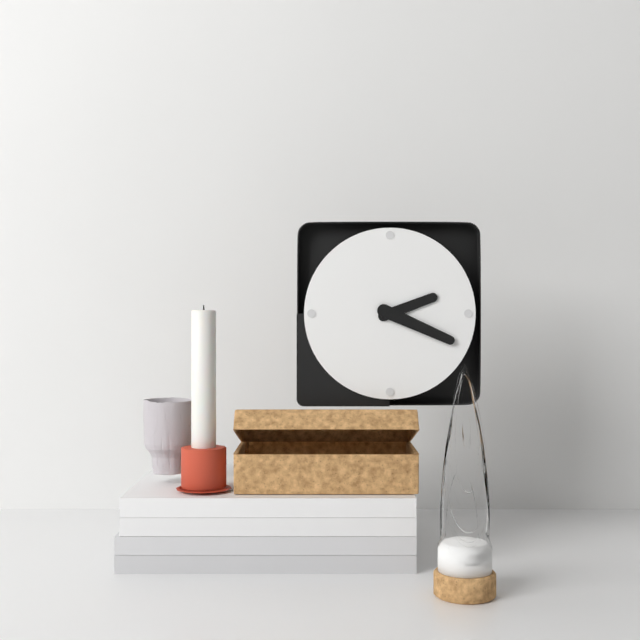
2:19
